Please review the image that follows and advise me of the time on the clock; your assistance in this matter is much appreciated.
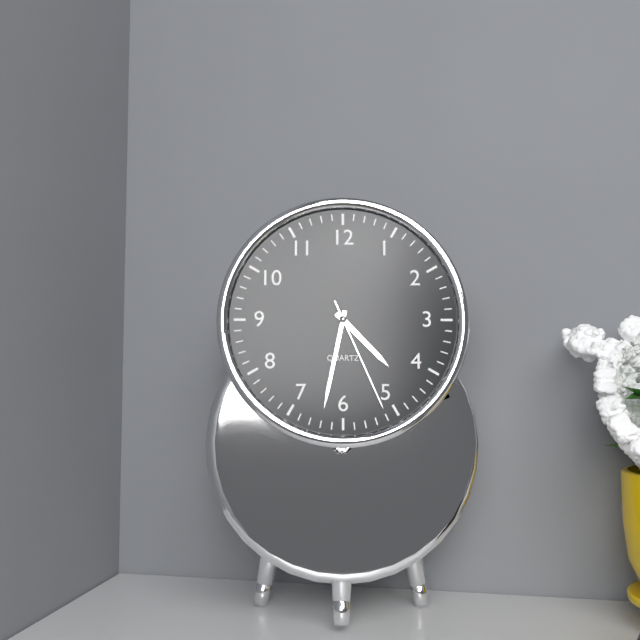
4:32:26
